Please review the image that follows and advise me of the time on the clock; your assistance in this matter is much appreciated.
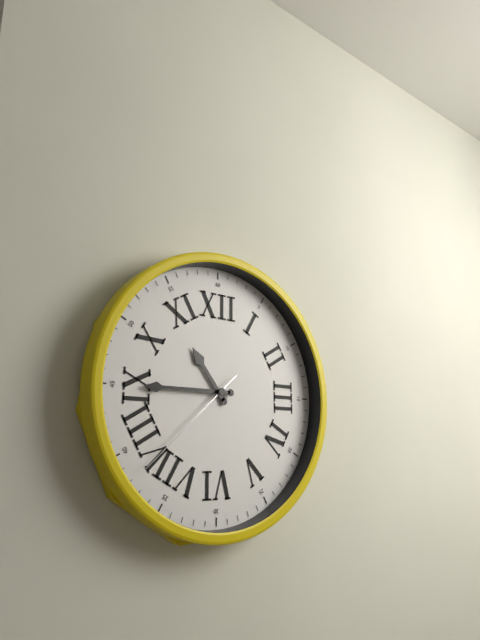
10:45:38
